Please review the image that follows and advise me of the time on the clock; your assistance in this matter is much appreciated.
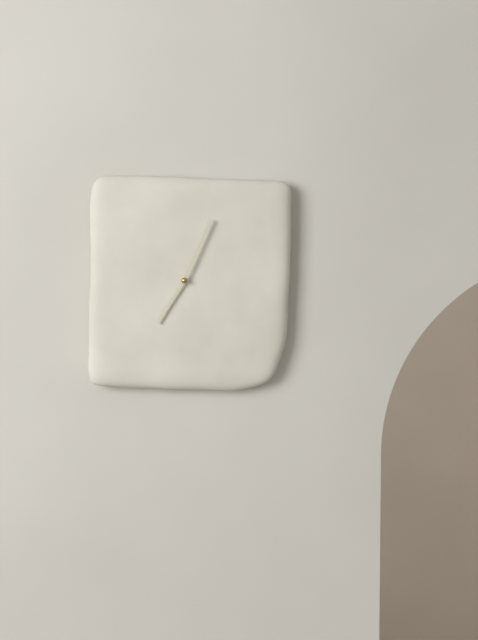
7:04
